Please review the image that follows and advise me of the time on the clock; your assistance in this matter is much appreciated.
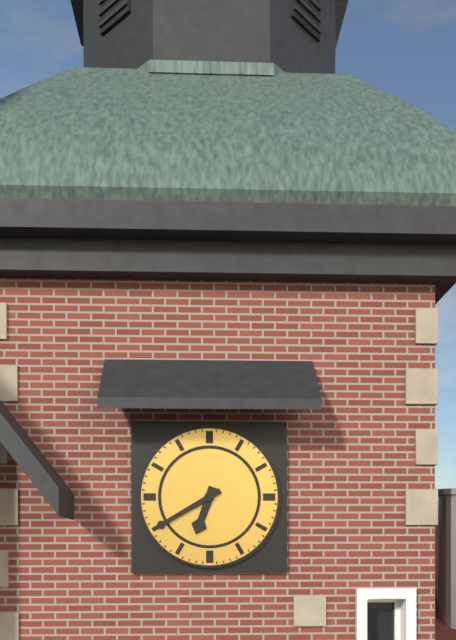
6:40
